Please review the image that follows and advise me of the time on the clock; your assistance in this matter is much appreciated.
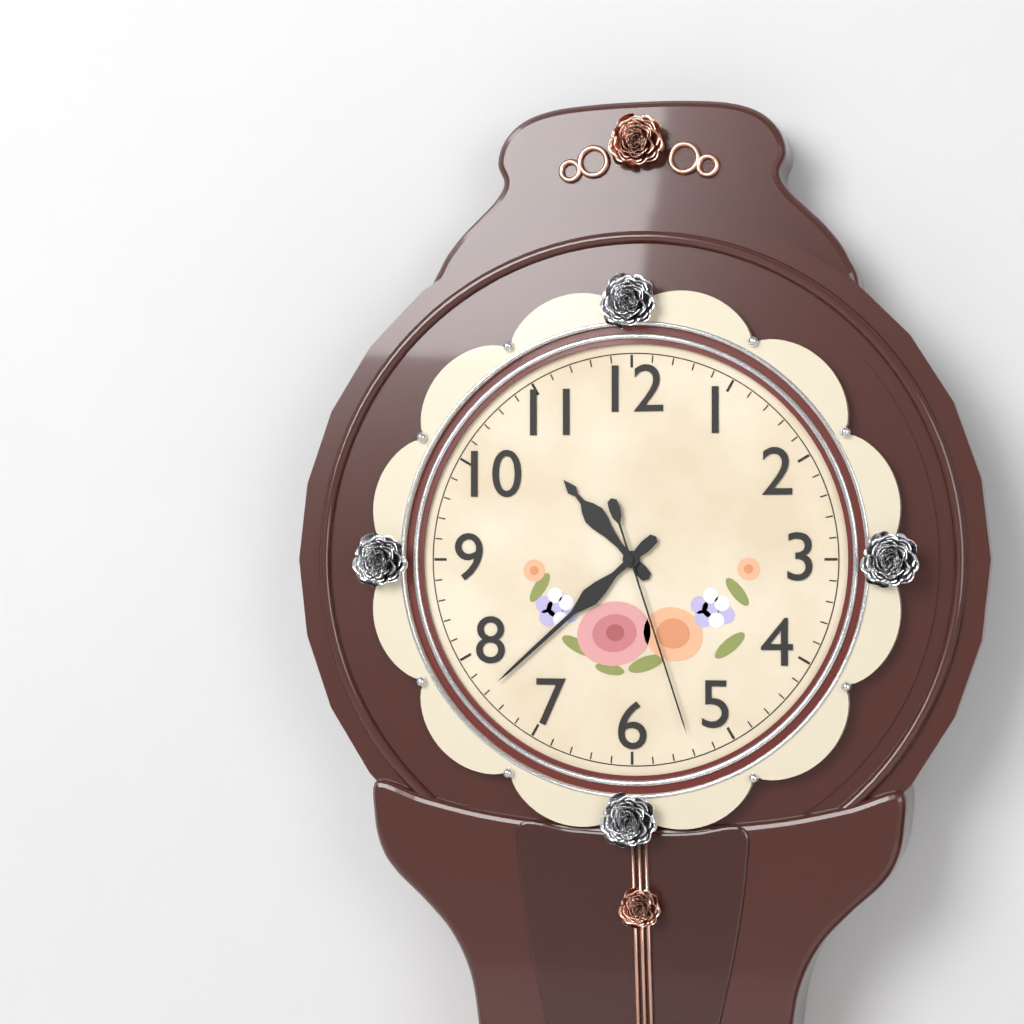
10:38:27
